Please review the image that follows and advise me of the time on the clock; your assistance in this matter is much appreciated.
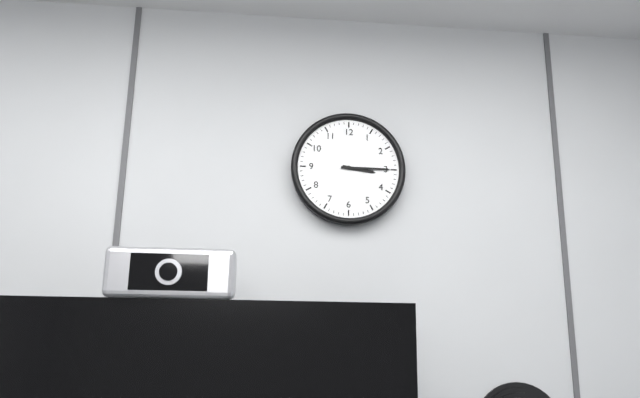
3:15
